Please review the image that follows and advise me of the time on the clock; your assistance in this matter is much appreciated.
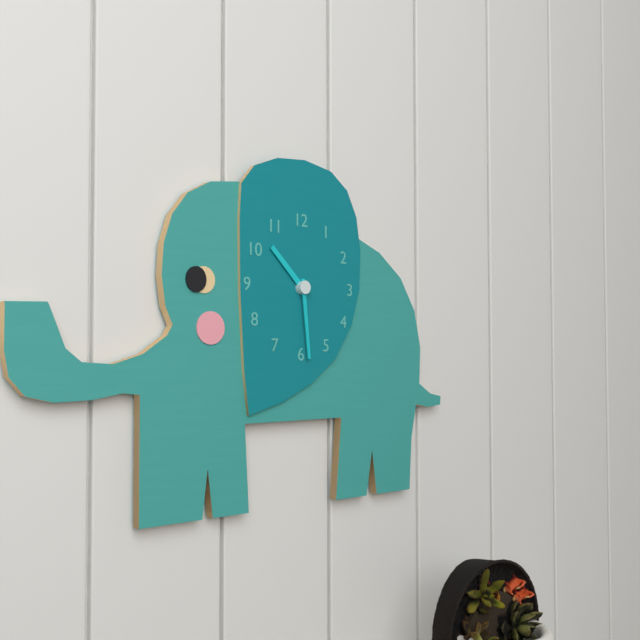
10:29
